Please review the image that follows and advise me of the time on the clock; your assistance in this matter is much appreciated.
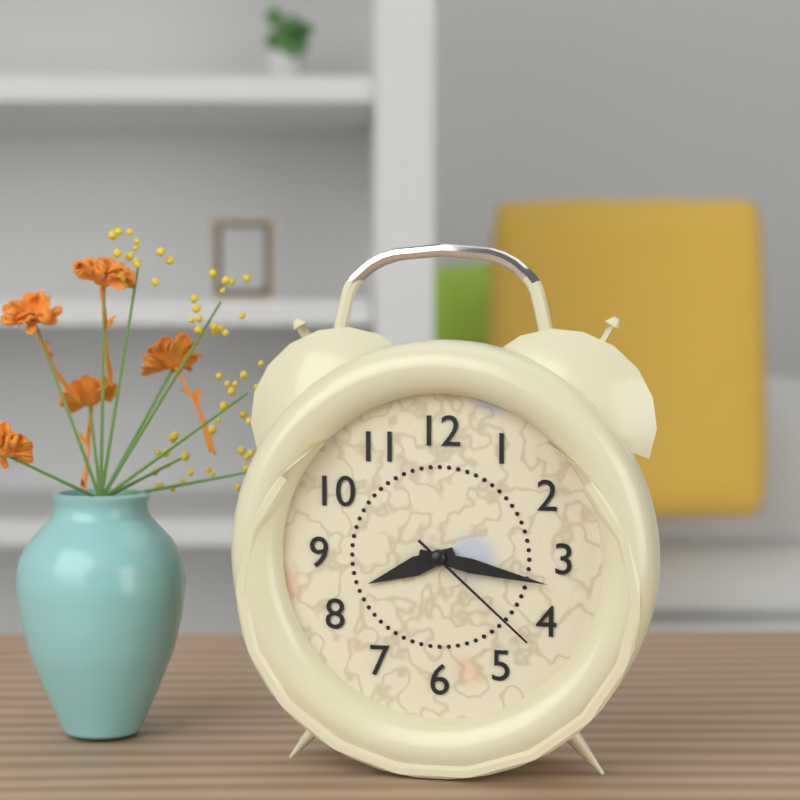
8:17:22
